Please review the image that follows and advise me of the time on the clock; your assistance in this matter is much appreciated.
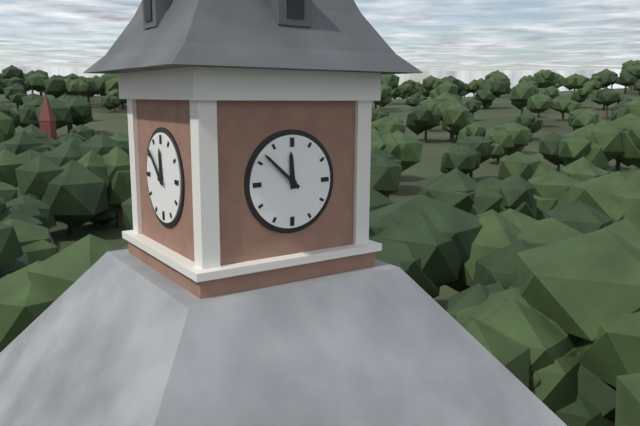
11:52
